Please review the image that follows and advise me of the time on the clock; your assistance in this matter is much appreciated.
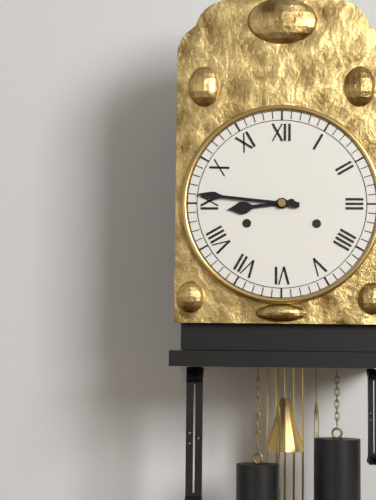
8:46
